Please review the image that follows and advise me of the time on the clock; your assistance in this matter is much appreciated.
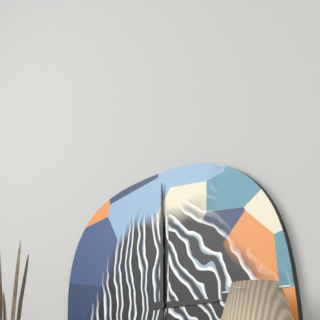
3:00
